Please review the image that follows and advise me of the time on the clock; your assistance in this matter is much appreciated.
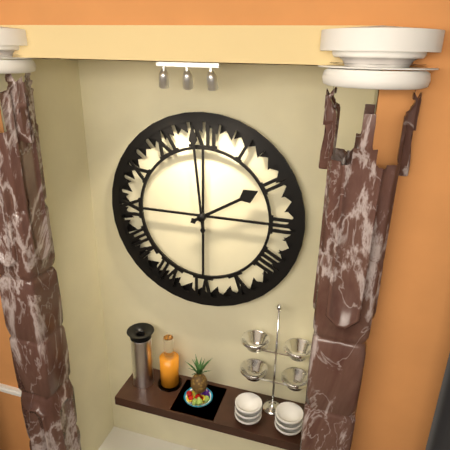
1:59
